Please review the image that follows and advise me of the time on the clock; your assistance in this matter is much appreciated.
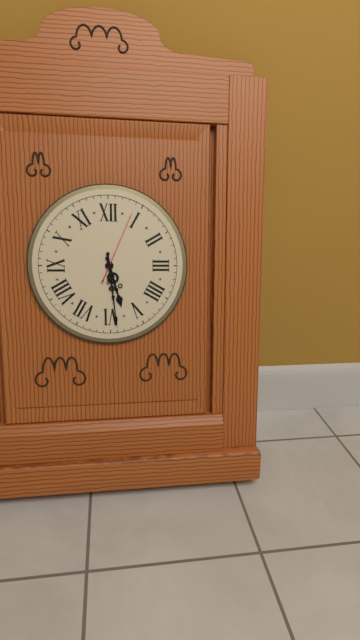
5:29:04
